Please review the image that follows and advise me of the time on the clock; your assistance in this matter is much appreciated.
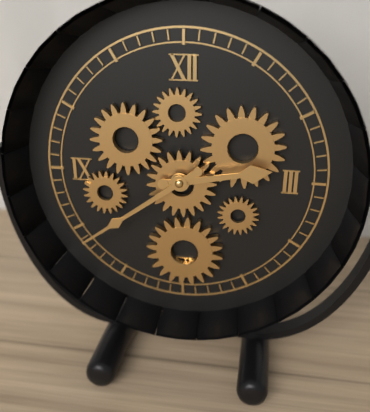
2:39
